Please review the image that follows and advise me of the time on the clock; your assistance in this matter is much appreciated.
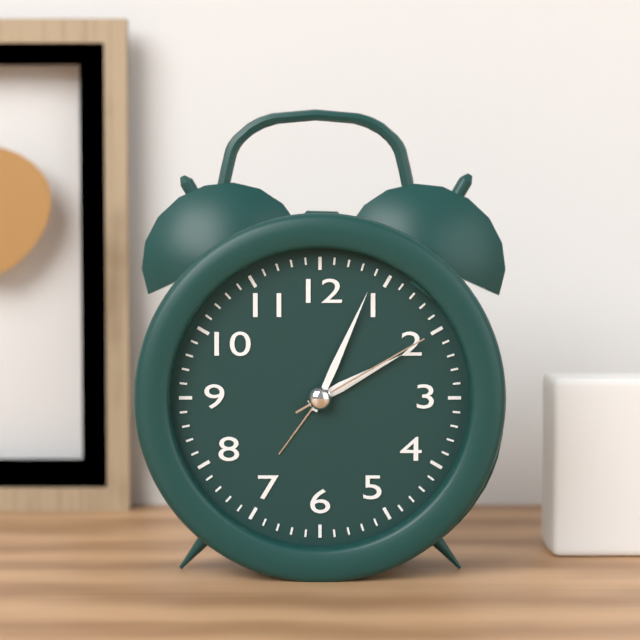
2:04:10
